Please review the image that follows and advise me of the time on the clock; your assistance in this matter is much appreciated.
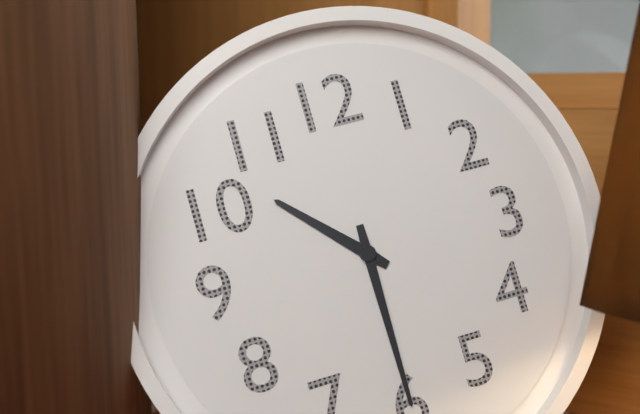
10:30
